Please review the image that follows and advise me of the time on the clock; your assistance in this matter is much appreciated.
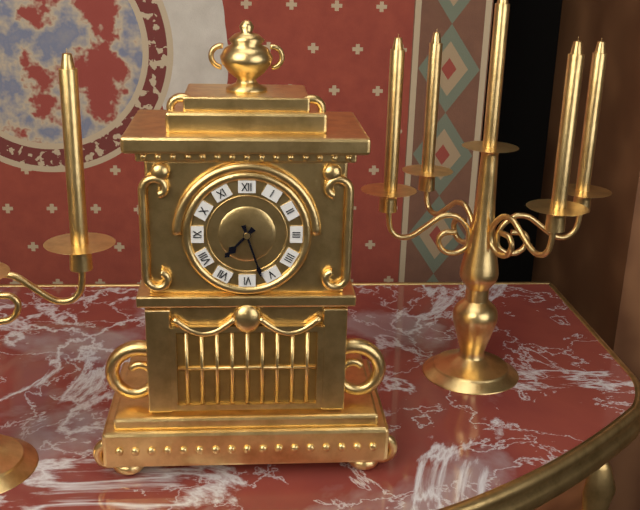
7:27
